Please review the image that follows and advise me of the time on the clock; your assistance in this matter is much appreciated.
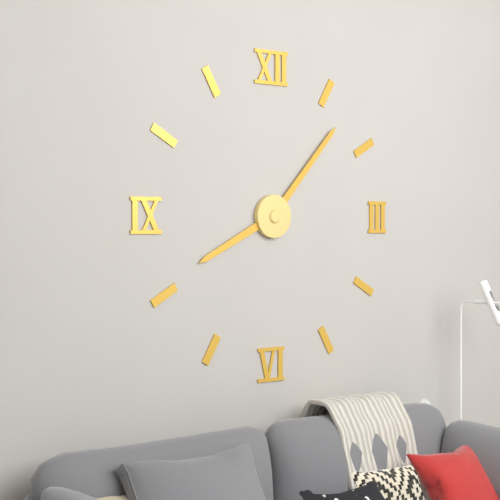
8:07
